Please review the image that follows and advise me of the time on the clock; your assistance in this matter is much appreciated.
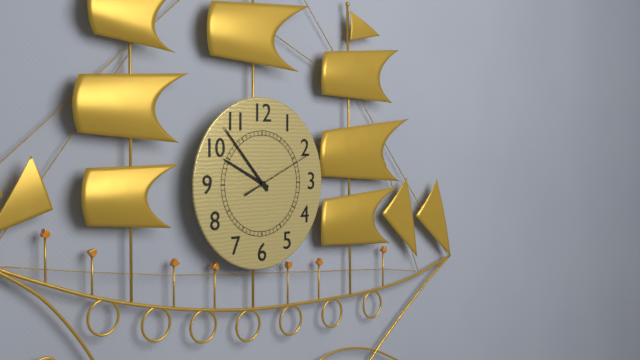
9:53:11
